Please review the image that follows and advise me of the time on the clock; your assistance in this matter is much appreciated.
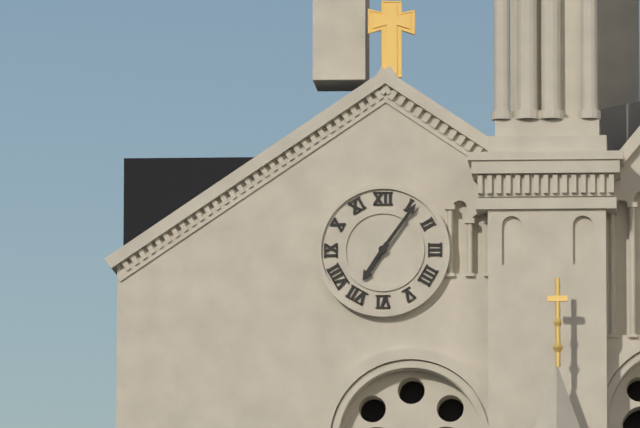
7:06
